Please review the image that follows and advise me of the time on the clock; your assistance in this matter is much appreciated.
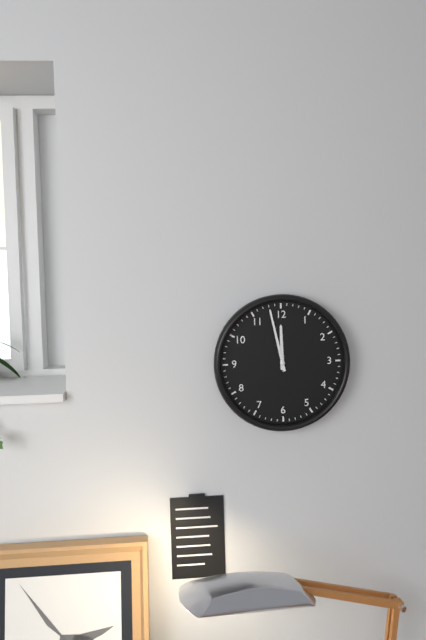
11:58
